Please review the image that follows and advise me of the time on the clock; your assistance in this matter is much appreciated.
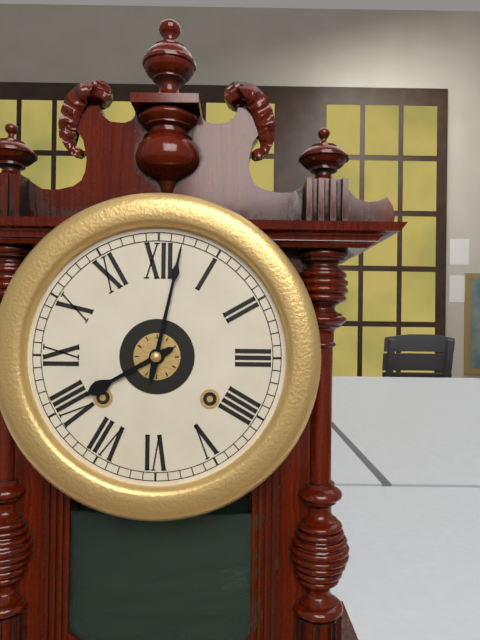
8:02
